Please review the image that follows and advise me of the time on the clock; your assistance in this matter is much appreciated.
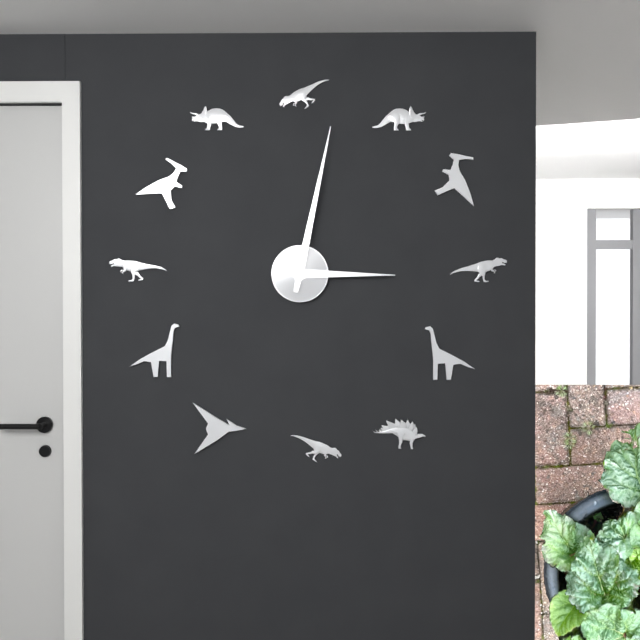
3:02
